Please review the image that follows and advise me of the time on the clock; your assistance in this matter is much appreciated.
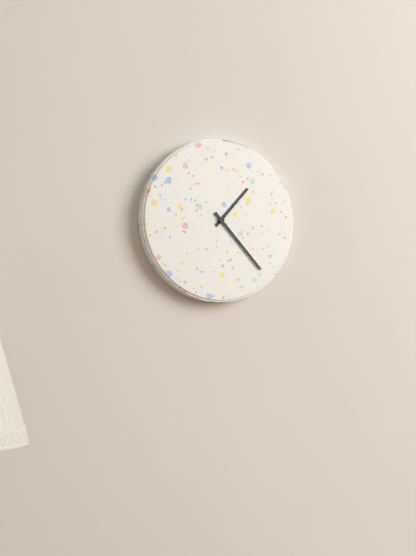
1:23
